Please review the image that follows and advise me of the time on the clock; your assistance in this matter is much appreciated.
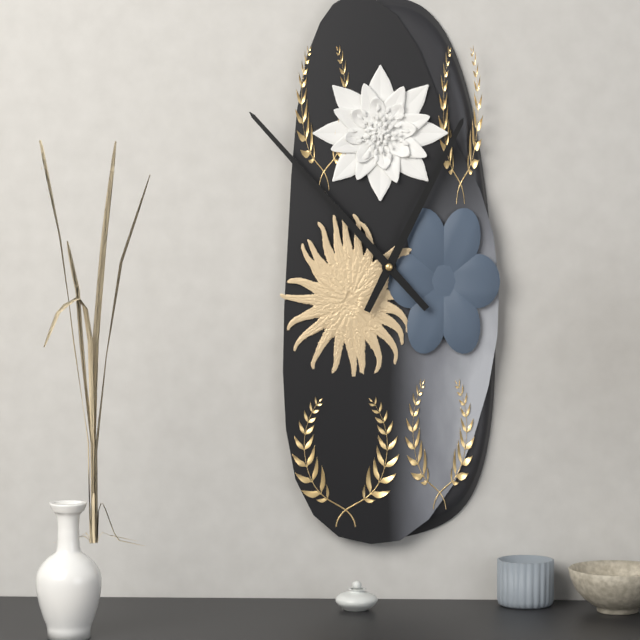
12:53
